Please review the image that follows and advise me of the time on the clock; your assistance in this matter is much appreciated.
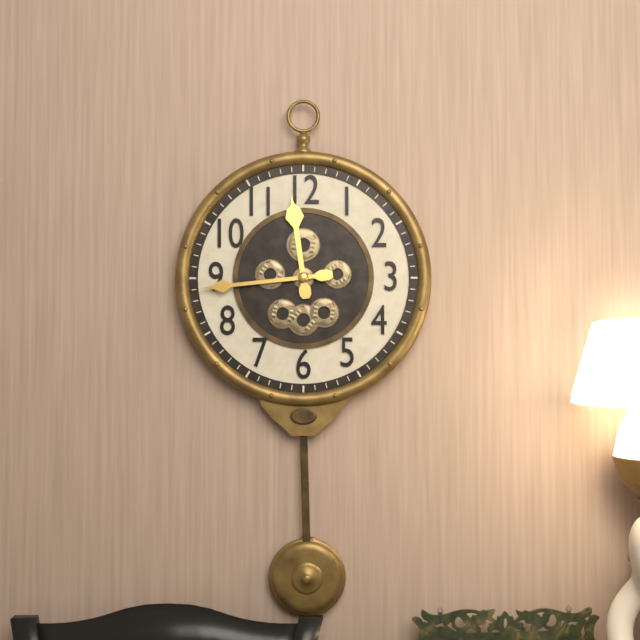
11:44
